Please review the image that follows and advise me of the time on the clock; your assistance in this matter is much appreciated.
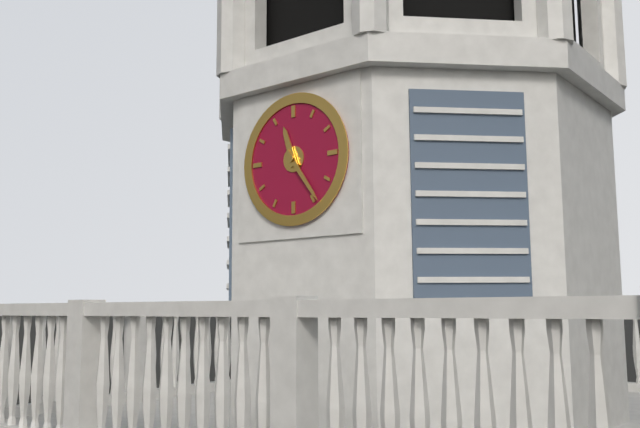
11:24
